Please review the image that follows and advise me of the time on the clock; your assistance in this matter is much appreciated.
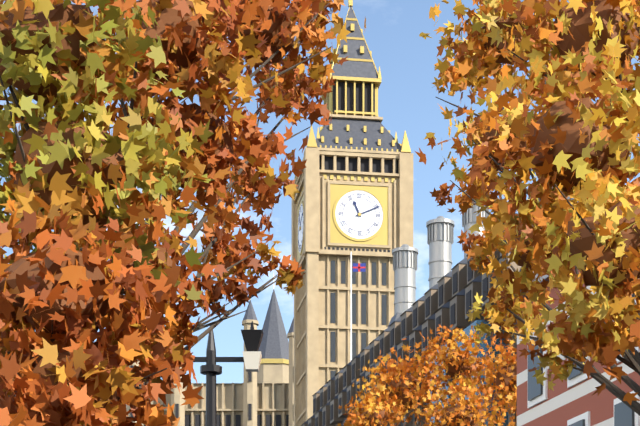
11:11
